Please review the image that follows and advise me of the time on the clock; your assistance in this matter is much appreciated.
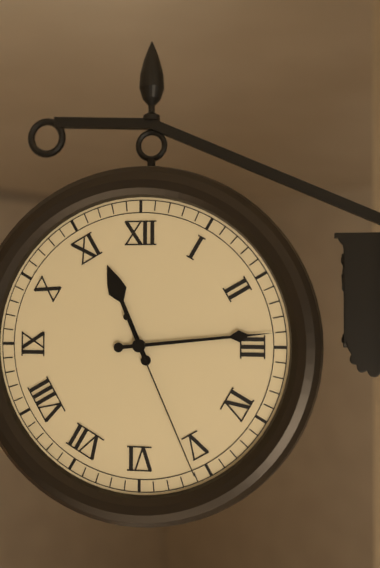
11:14:26
